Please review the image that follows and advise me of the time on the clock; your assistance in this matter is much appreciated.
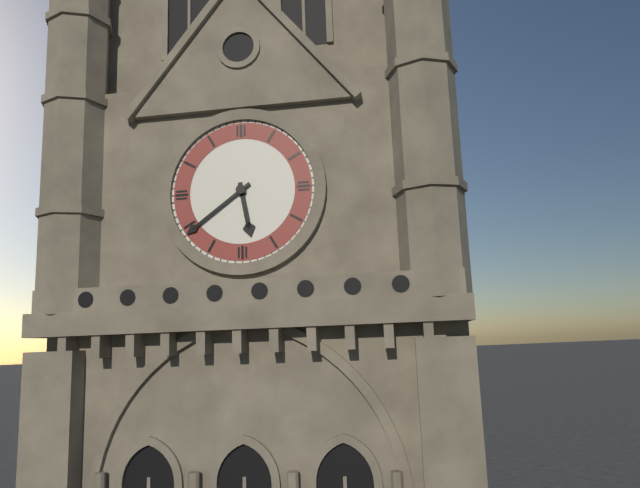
5:39
